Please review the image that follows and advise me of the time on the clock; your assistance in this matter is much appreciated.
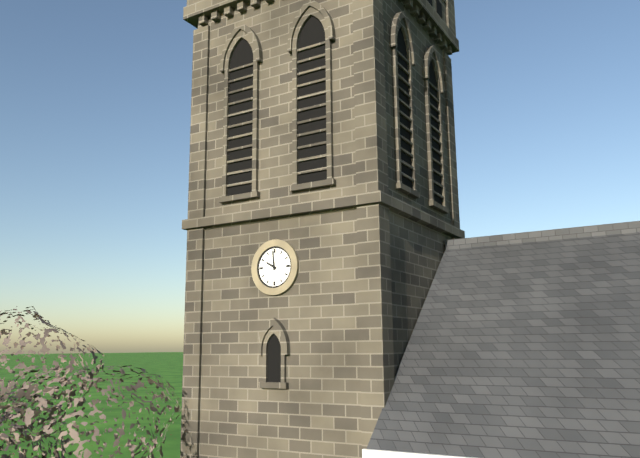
9:59
